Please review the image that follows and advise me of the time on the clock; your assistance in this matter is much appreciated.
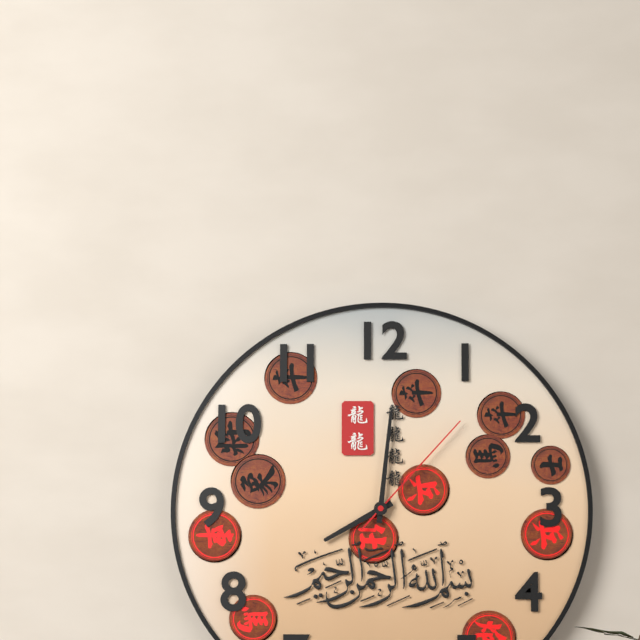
8:01:07
